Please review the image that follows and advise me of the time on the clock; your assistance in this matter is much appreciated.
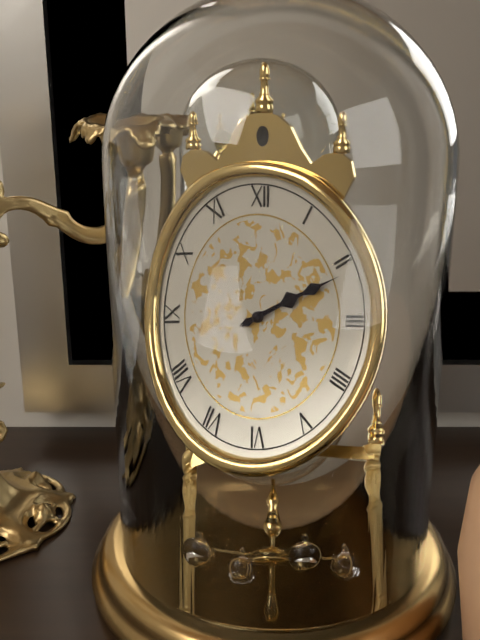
2:11
